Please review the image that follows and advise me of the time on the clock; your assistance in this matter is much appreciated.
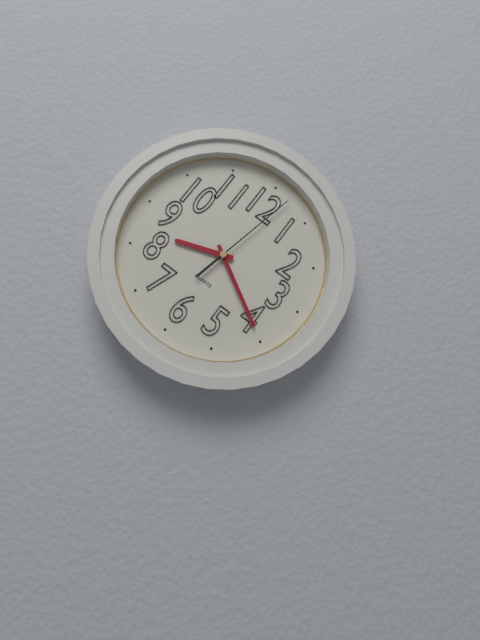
8:20:02
